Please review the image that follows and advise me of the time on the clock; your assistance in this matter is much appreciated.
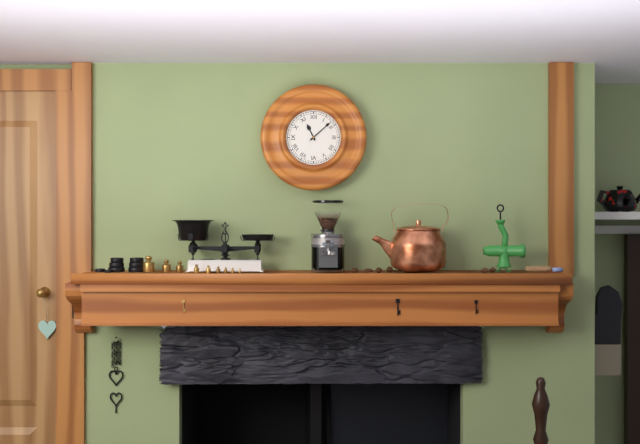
11:08
